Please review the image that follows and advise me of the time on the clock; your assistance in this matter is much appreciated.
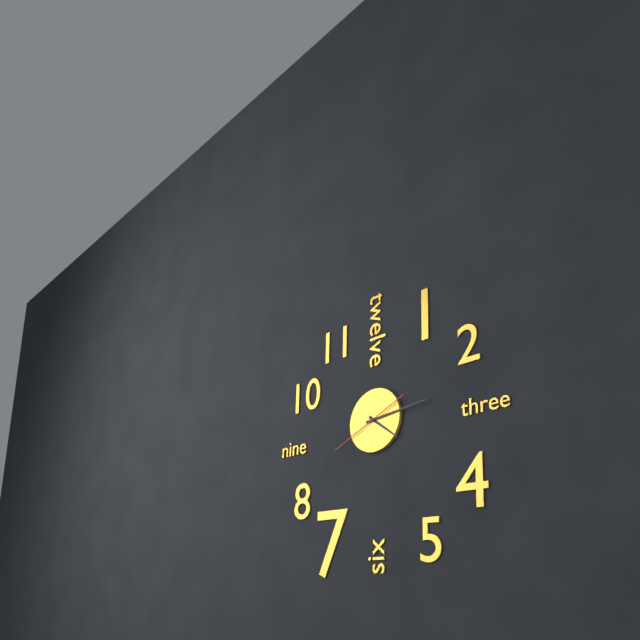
4:14:41
